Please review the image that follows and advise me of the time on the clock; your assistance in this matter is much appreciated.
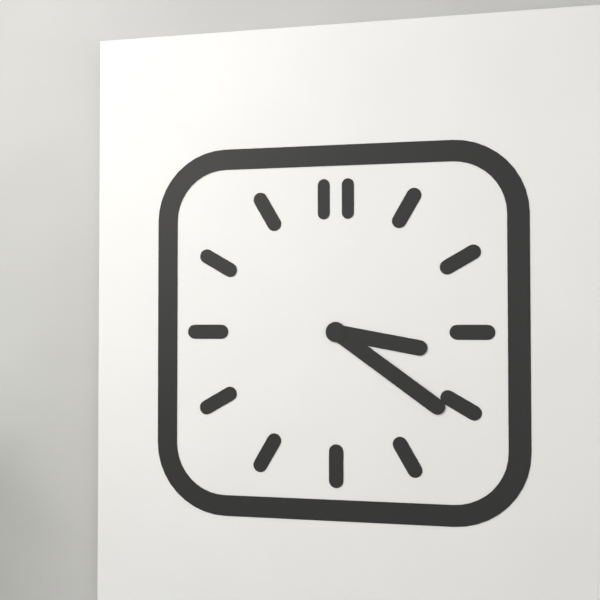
3:21
